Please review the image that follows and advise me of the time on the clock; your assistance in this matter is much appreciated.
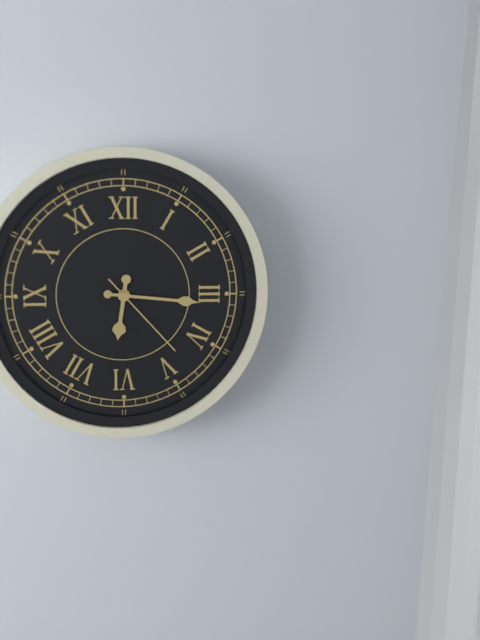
6:16:23
